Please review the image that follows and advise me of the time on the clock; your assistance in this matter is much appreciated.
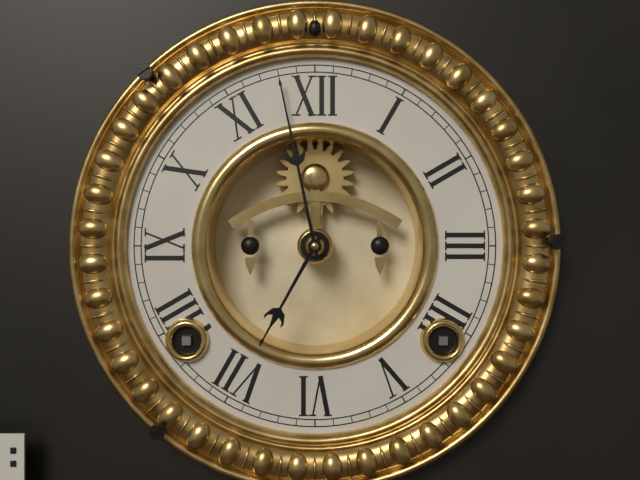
6:58
